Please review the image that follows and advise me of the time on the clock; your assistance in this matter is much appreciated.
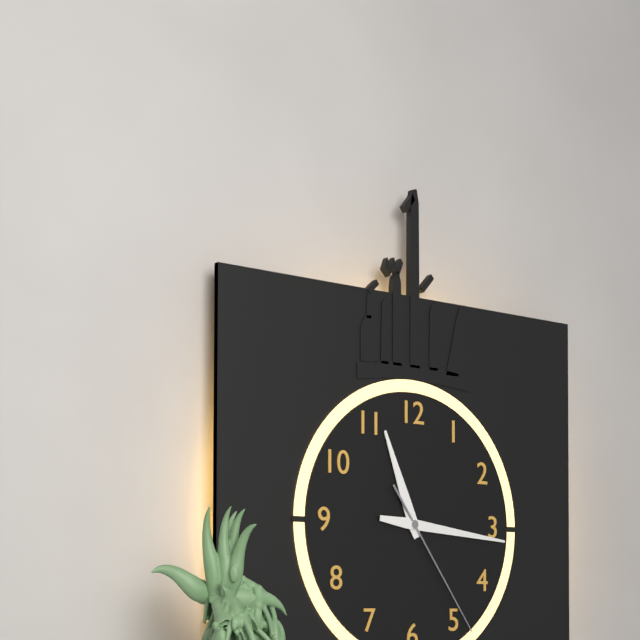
11:16:24
